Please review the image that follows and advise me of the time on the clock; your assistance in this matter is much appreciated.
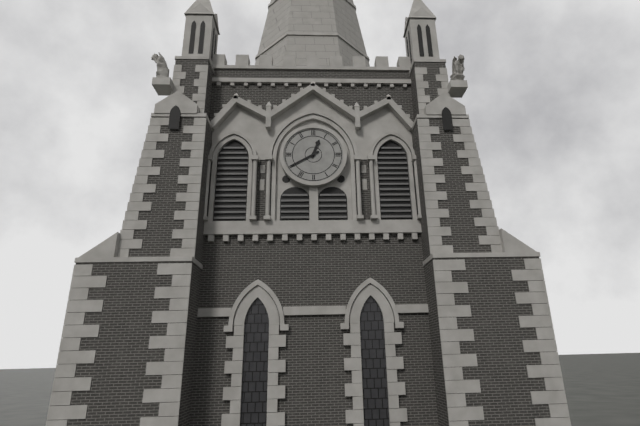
12:40
